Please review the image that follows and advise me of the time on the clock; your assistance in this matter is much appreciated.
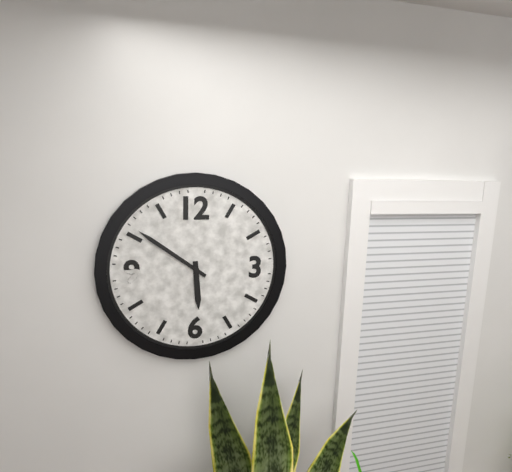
5:51
